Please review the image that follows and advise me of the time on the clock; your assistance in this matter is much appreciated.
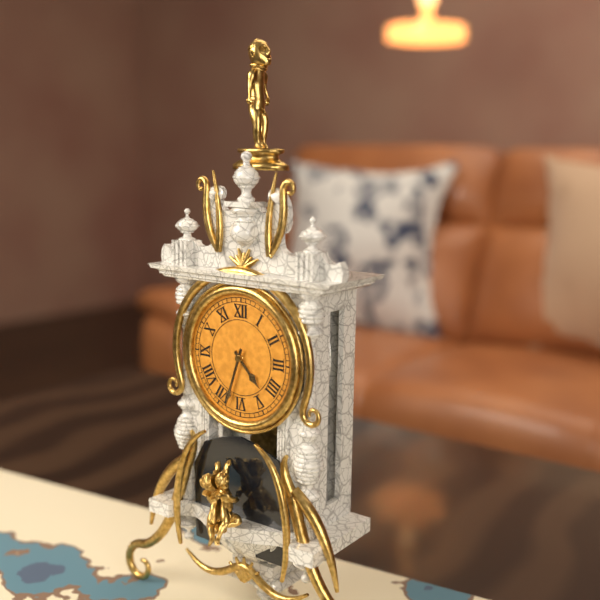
4:33
